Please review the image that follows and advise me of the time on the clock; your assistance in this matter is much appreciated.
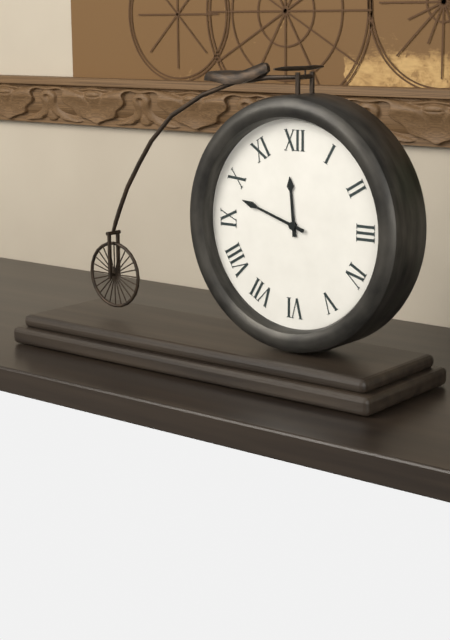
11:48
